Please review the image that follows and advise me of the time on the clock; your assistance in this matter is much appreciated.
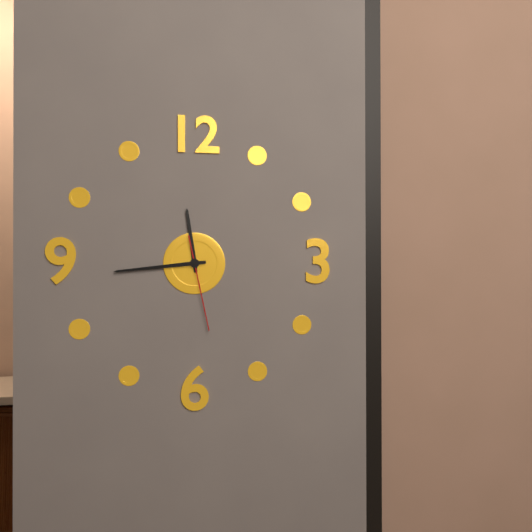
11:44:28
